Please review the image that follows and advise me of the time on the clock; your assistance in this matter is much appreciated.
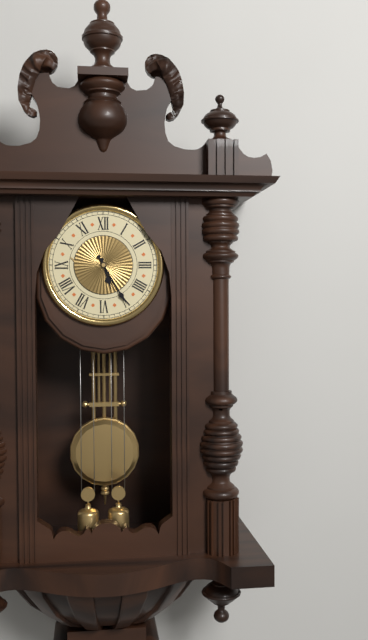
5:25
